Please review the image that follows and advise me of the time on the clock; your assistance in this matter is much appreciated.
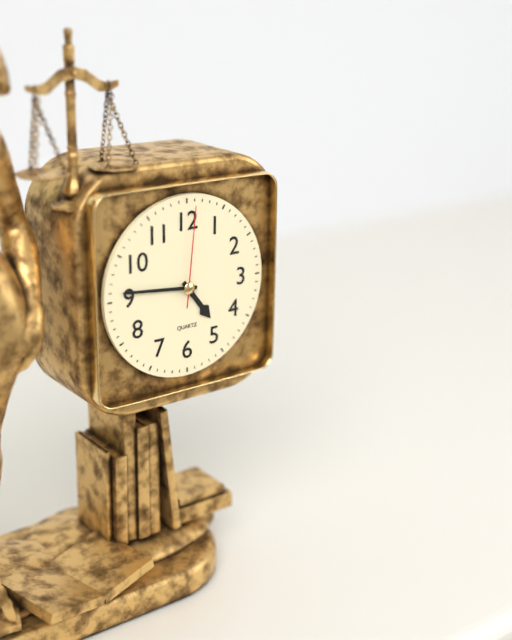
4:46:01
